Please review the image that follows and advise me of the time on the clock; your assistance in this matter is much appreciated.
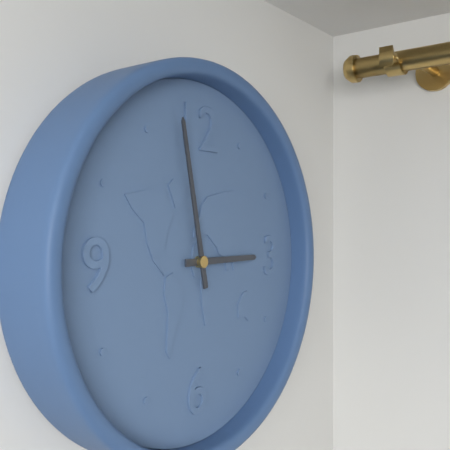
2:58
